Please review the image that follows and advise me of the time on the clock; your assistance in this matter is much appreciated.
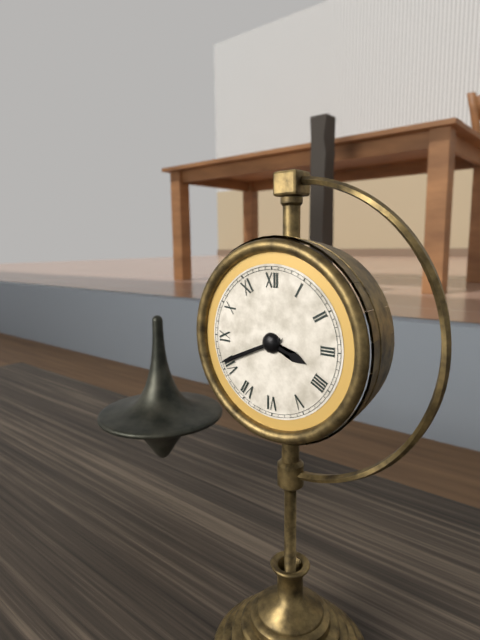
3:41
